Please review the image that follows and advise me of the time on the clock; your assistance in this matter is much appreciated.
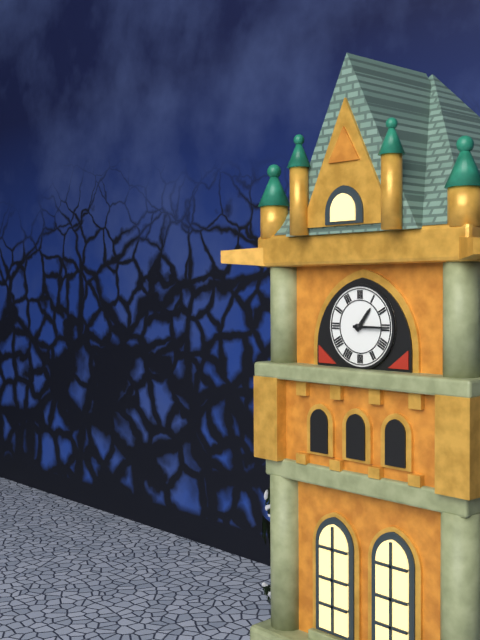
1:15
